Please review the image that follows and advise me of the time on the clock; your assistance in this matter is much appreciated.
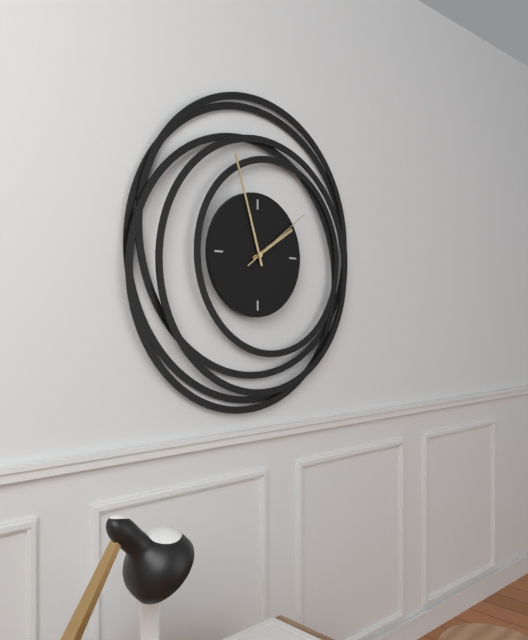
1:57:09
